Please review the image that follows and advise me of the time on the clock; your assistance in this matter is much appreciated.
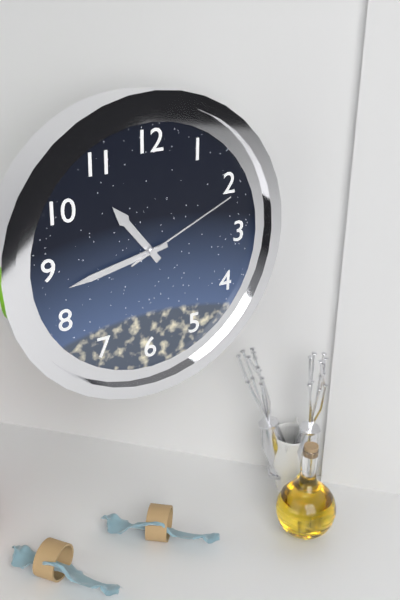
10:43:11
